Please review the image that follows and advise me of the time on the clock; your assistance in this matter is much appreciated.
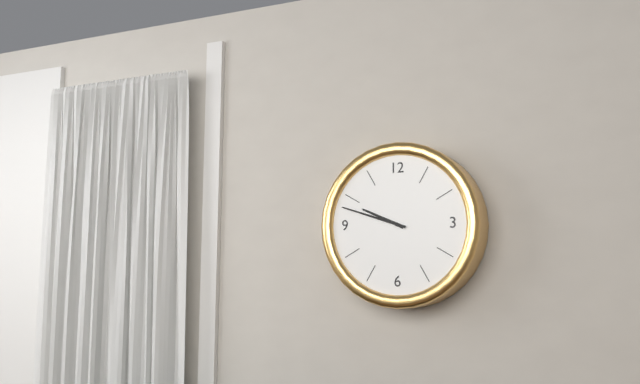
9:48
